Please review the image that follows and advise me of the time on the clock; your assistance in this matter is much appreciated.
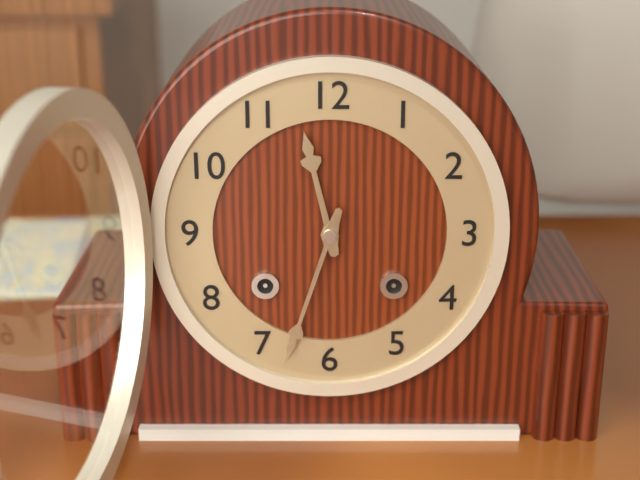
11:33
